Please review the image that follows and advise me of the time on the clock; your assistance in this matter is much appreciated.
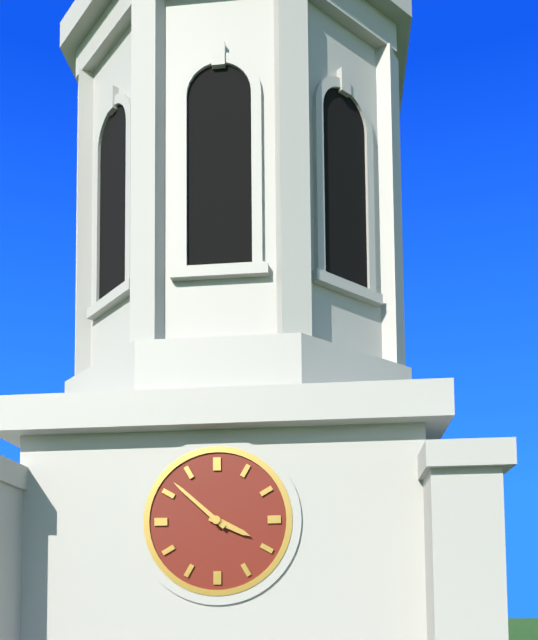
3:52
